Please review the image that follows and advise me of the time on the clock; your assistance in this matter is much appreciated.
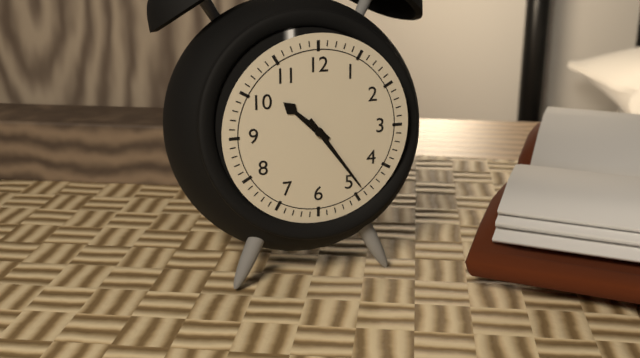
10:24
